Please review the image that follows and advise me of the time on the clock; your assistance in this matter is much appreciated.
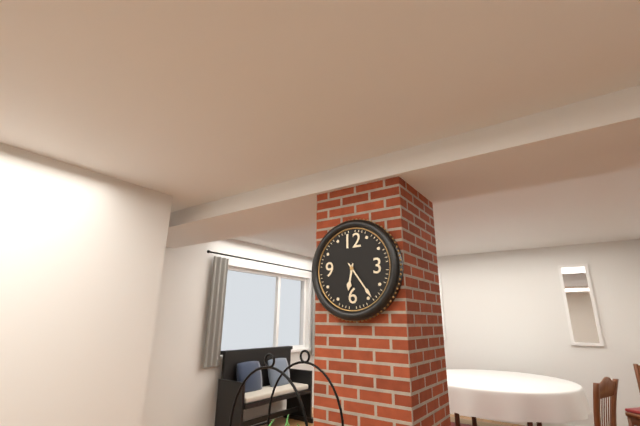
6:24
